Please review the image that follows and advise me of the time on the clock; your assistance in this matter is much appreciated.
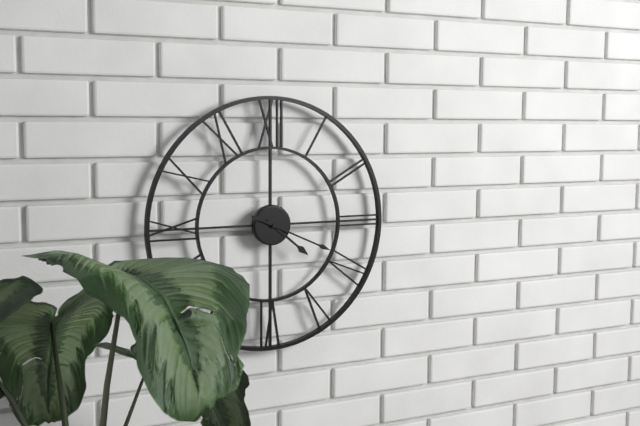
4:19
